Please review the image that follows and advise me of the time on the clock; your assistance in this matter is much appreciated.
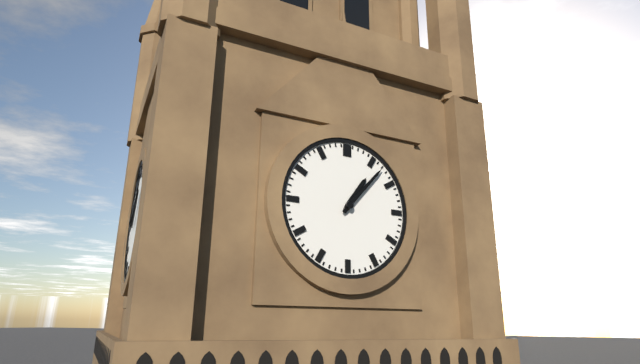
1:07
